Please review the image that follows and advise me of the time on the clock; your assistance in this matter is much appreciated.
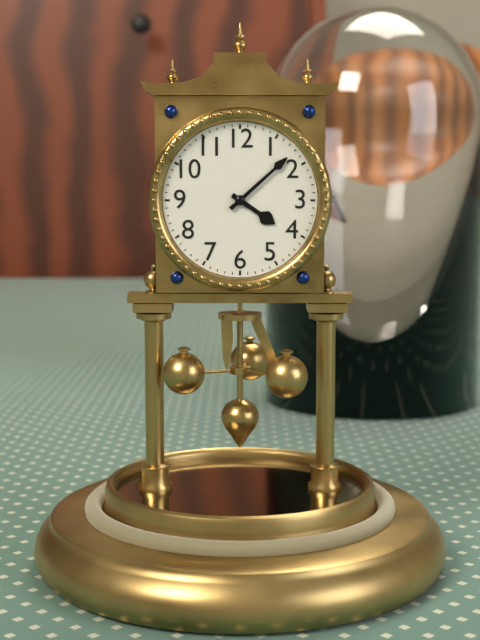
4:08
